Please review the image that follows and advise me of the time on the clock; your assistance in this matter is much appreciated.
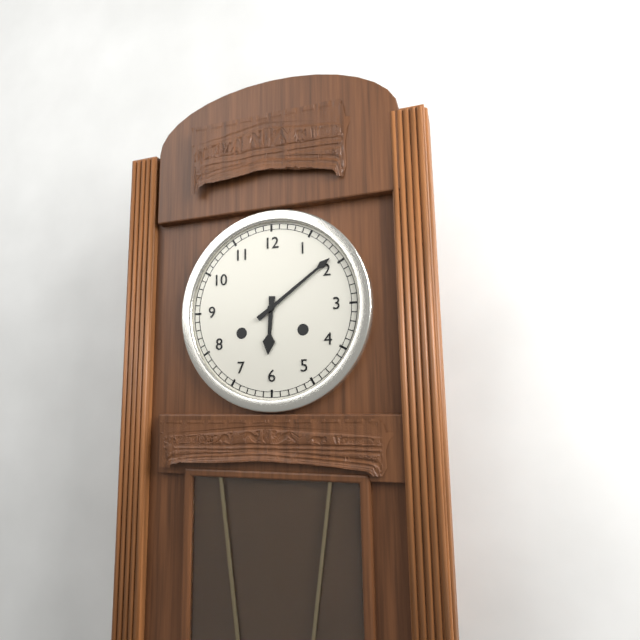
6:09
